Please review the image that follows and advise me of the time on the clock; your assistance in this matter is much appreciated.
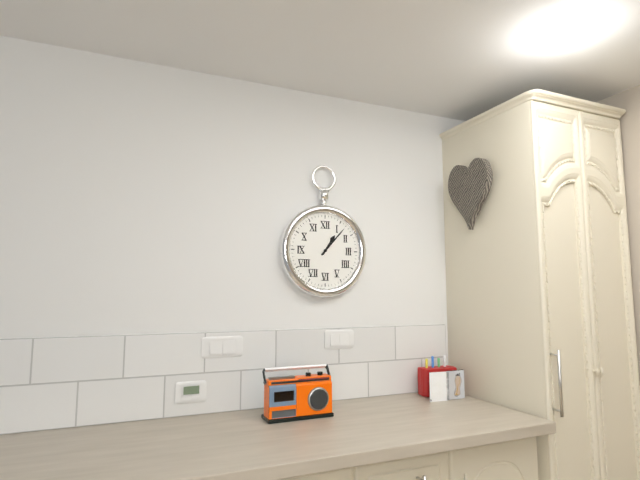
1:07
